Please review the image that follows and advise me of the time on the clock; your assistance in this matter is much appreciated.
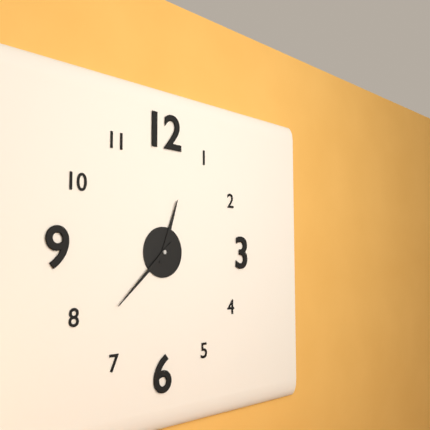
12:38
